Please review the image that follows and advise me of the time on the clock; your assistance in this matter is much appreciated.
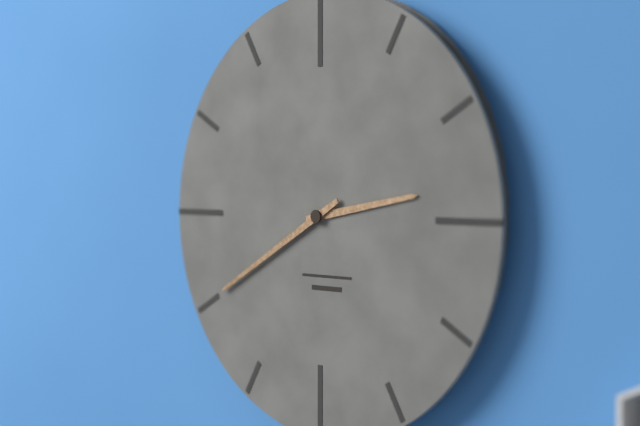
2:40
